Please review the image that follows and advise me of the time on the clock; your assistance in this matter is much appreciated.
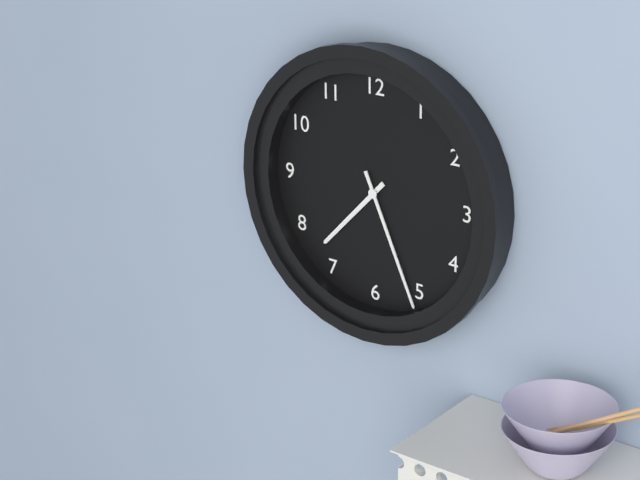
7:26
